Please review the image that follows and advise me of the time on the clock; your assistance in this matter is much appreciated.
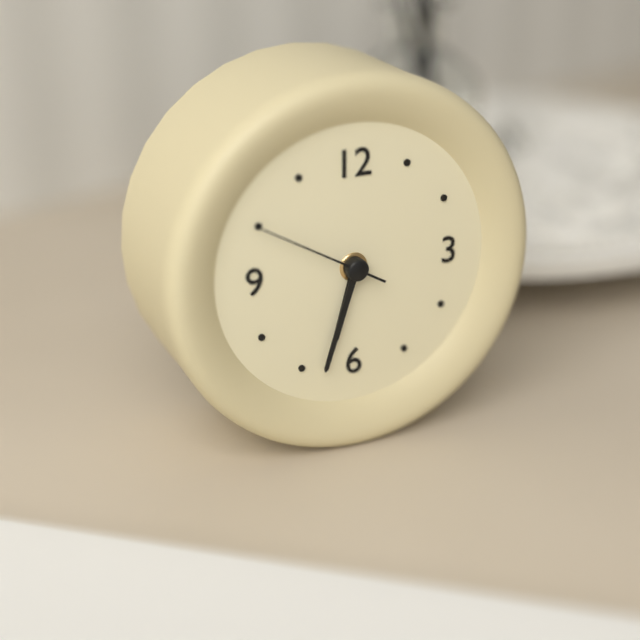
6:33:50
